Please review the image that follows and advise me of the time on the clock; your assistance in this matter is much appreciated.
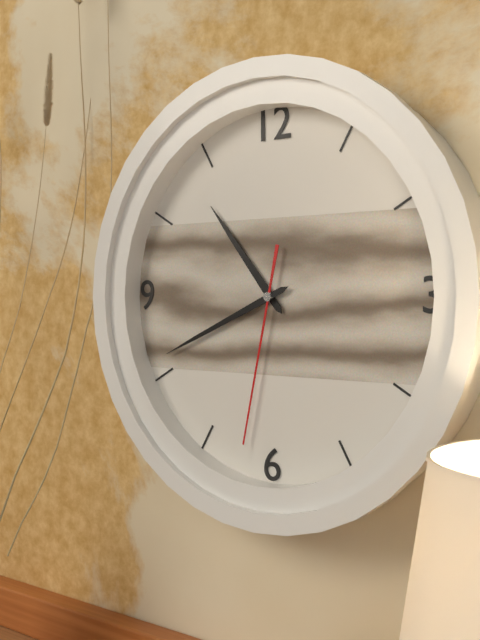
10:41:32
